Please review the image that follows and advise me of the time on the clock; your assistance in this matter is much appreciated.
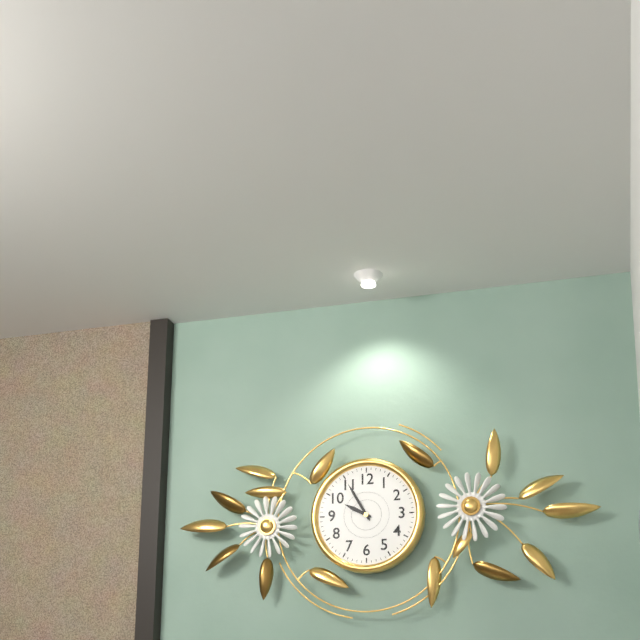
9:55
